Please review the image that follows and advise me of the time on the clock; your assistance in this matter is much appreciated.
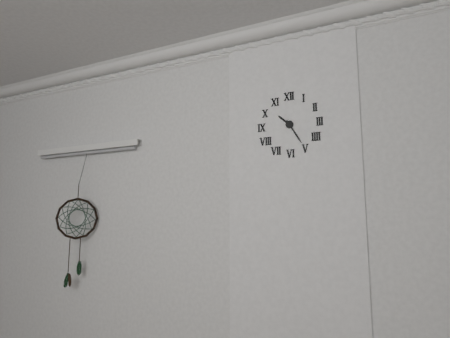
10:25
